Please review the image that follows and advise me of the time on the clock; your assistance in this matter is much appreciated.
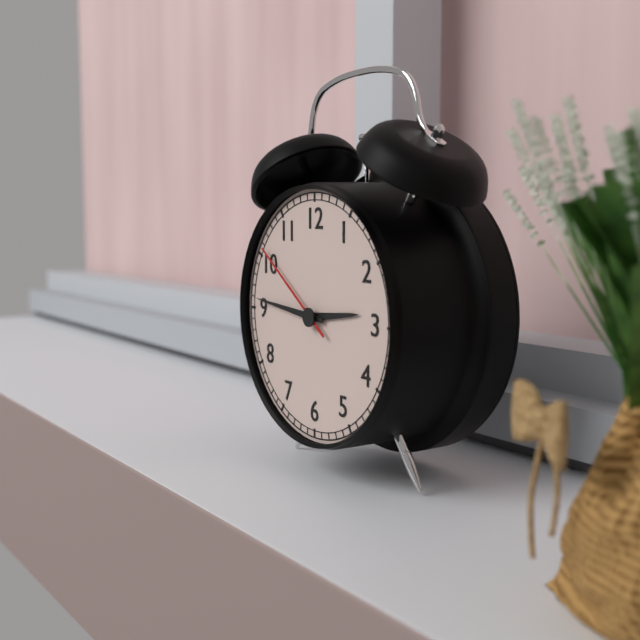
2:46:51
